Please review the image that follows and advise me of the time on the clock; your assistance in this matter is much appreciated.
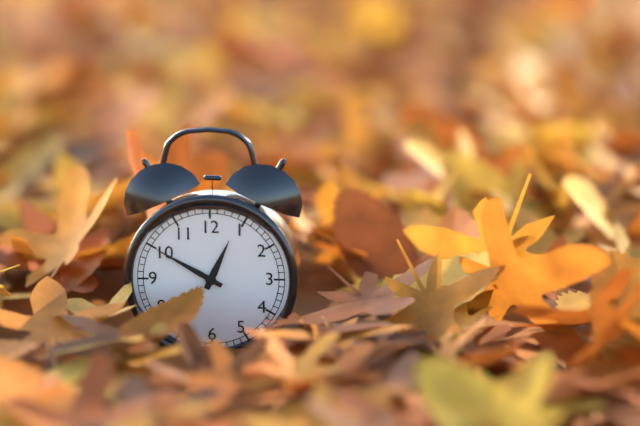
12:50
